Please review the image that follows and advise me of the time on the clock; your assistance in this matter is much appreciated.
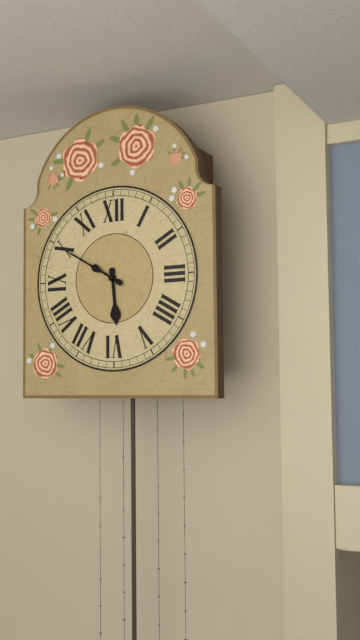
5:50
